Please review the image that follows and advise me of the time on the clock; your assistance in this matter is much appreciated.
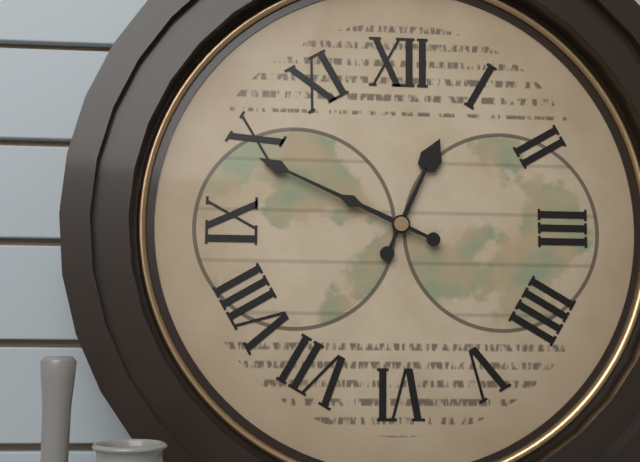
12:49
